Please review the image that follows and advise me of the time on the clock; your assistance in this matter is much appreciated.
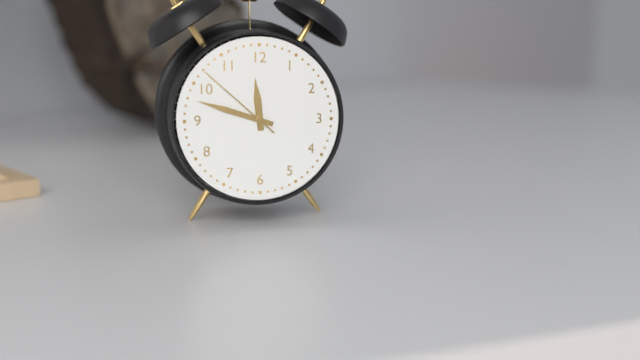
11:48:52
